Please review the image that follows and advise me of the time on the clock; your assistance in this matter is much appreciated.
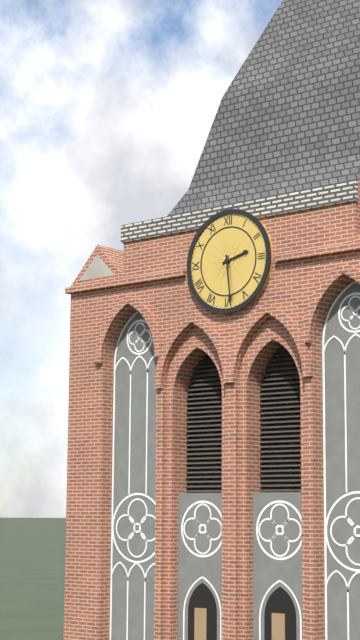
2:29
